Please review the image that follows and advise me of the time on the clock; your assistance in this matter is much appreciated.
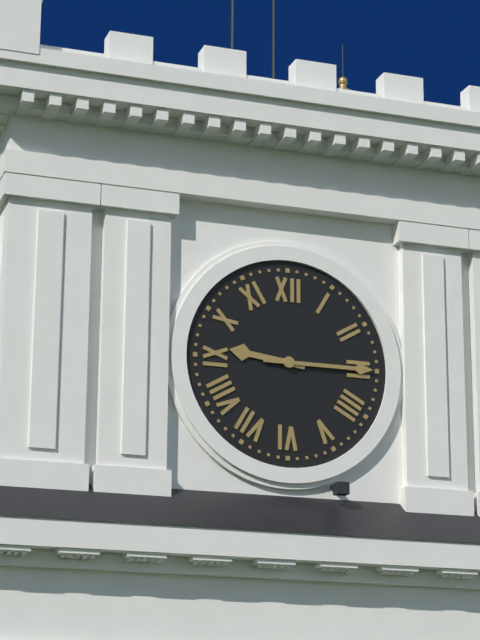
9:15
